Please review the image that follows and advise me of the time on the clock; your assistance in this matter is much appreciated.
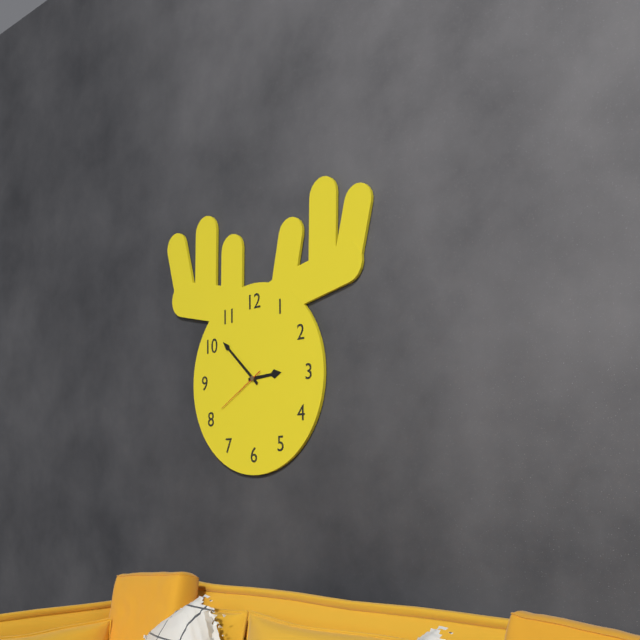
2:52:40
